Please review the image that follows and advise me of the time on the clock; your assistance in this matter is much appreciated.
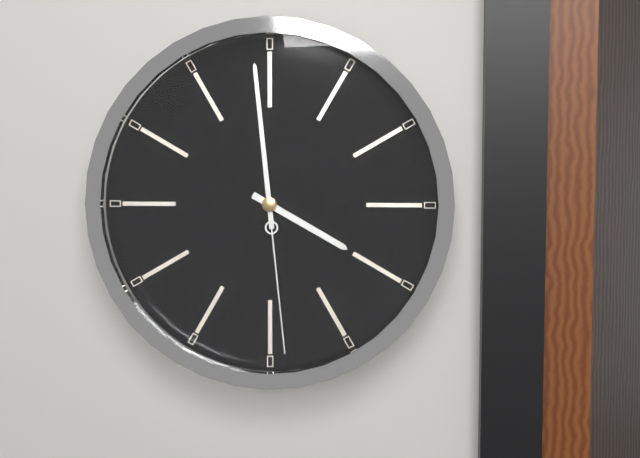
3:59:29
